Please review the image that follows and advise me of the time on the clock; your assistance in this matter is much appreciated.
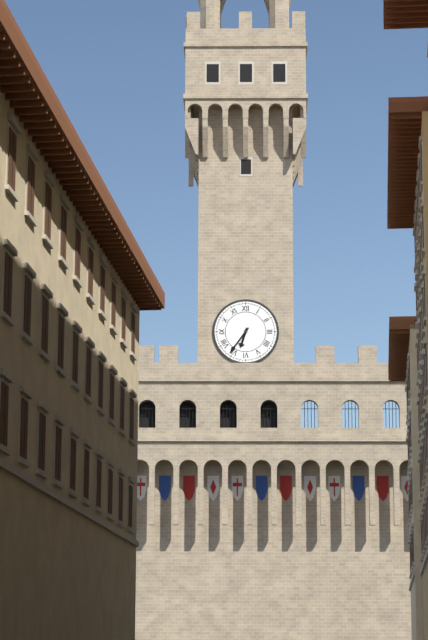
6:36
